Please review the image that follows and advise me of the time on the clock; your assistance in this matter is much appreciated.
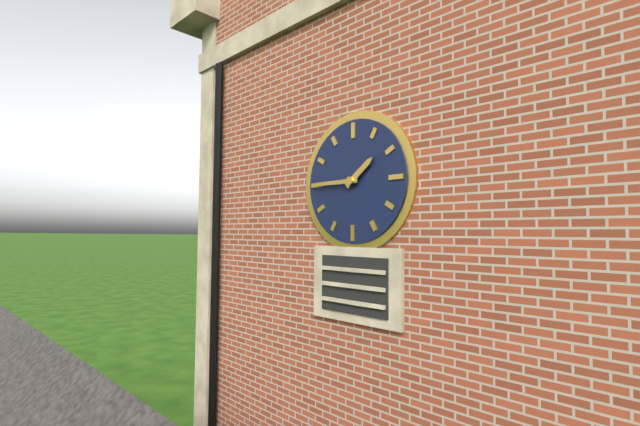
1:45
